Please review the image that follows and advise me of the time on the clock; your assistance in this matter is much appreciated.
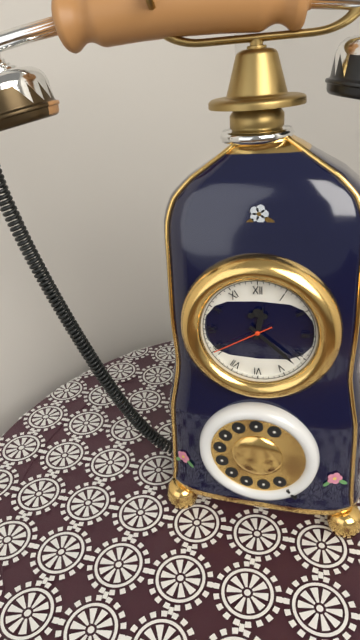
12:22:40
